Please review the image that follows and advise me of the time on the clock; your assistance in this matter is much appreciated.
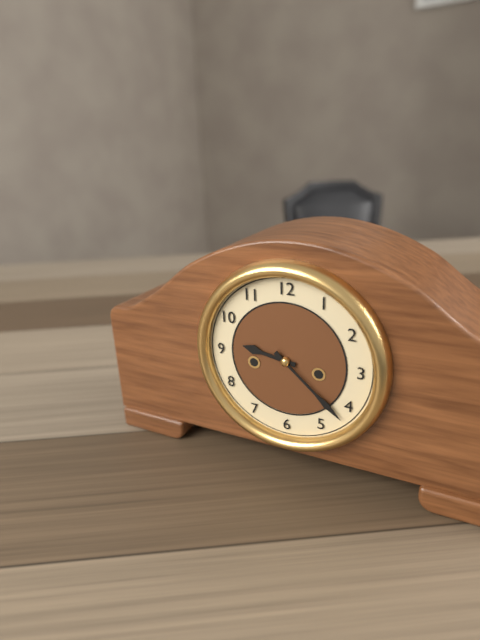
9:22
